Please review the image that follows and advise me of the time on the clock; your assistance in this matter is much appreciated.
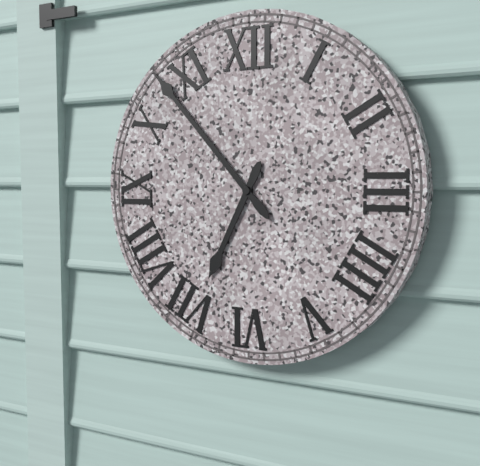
6:53
